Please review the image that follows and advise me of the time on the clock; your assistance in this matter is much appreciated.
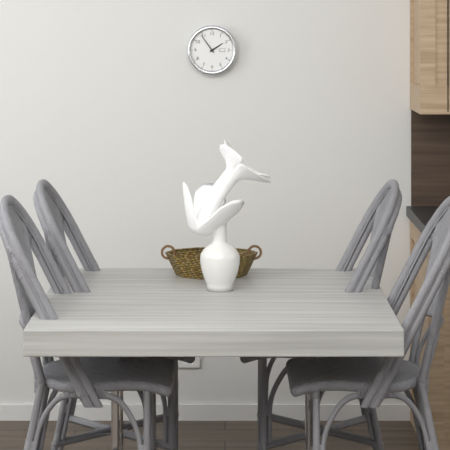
1:54
